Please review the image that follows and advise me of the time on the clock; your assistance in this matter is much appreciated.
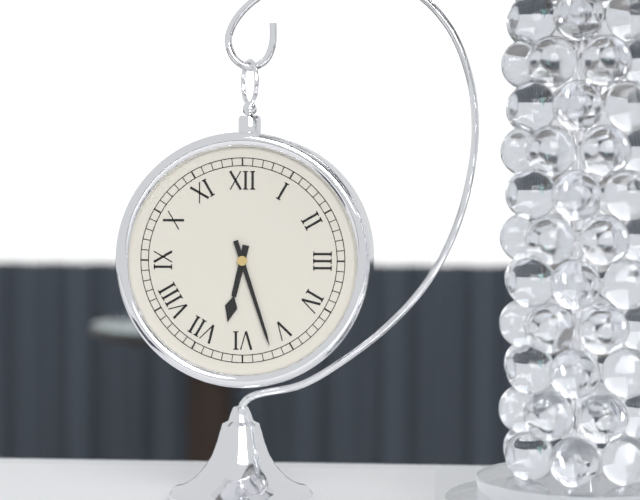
6:27
